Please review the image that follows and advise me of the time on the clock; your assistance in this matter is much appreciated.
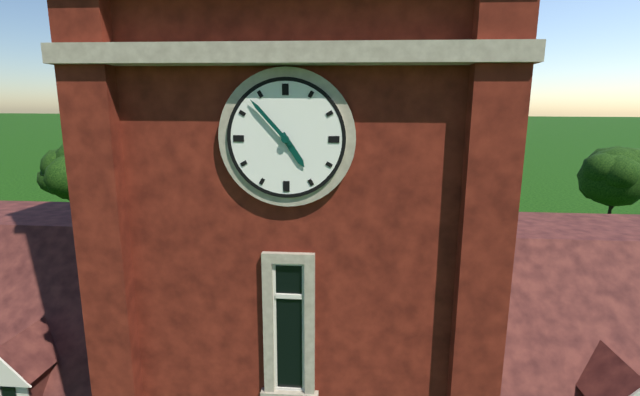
4:53
